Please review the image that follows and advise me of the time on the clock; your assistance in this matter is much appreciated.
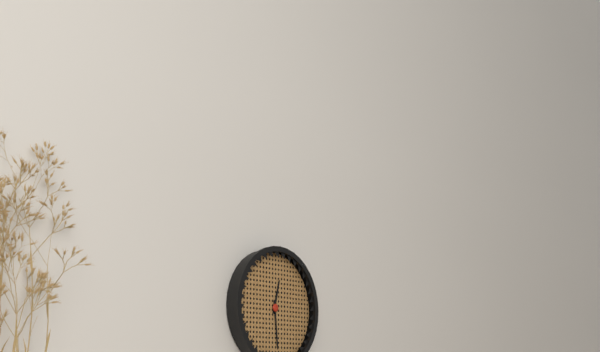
12:29
